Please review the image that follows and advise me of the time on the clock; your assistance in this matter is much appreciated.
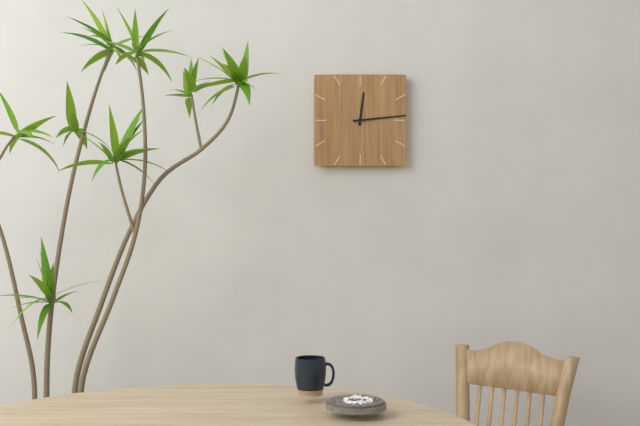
12:14
